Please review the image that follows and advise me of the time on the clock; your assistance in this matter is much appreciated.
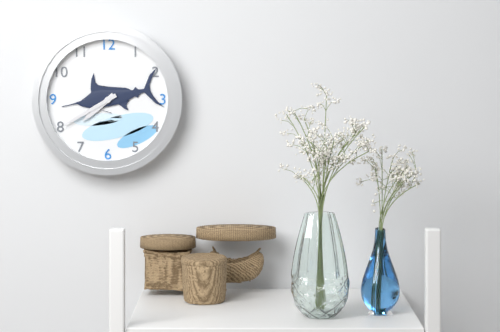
7:40
